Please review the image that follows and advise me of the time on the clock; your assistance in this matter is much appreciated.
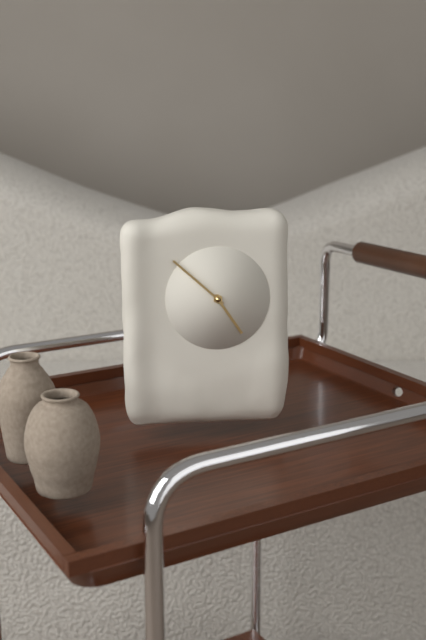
4:52
